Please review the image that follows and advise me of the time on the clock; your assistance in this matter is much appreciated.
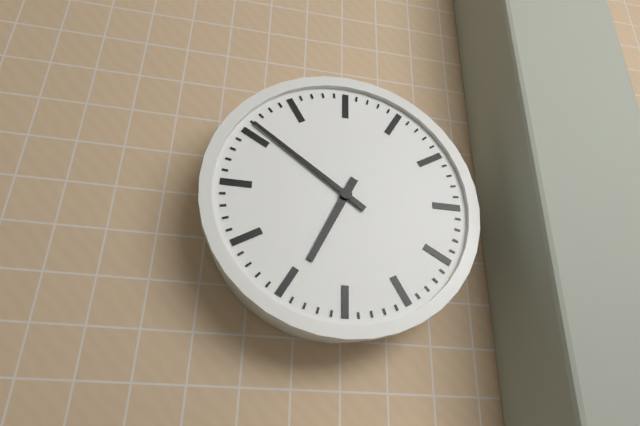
6:51
